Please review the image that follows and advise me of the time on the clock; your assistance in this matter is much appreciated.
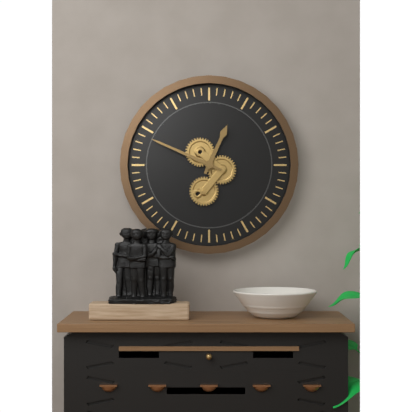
12:49
